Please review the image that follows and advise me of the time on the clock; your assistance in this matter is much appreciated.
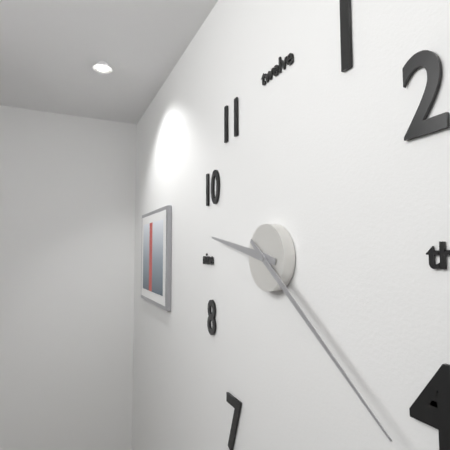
9:21
